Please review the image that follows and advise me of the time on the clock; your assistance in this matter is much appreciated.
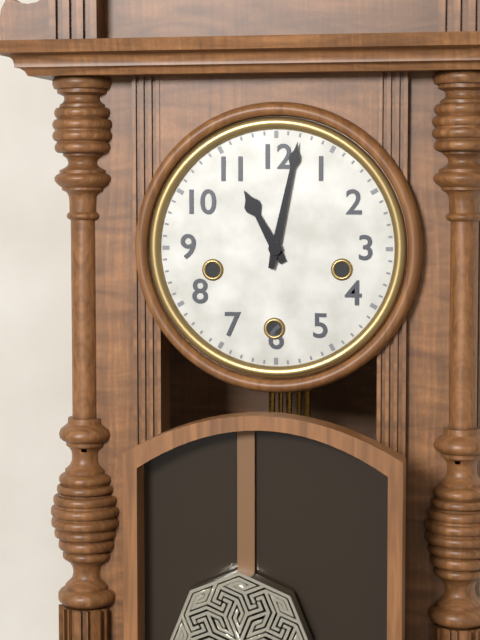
11:02
